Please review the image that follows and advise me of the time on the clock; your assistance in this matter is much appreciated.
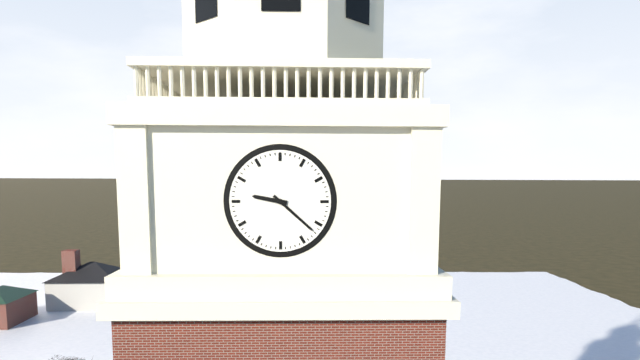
9:22
